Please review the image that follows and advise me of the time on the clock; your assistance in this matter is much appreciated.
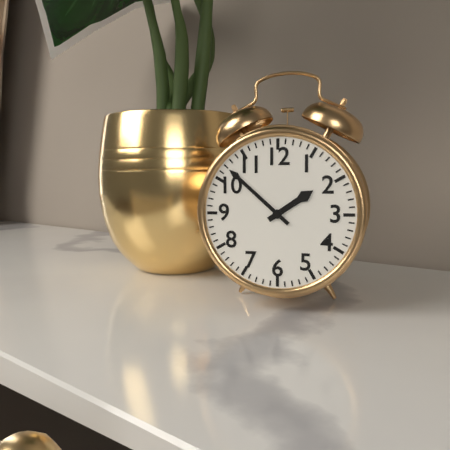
1:52
